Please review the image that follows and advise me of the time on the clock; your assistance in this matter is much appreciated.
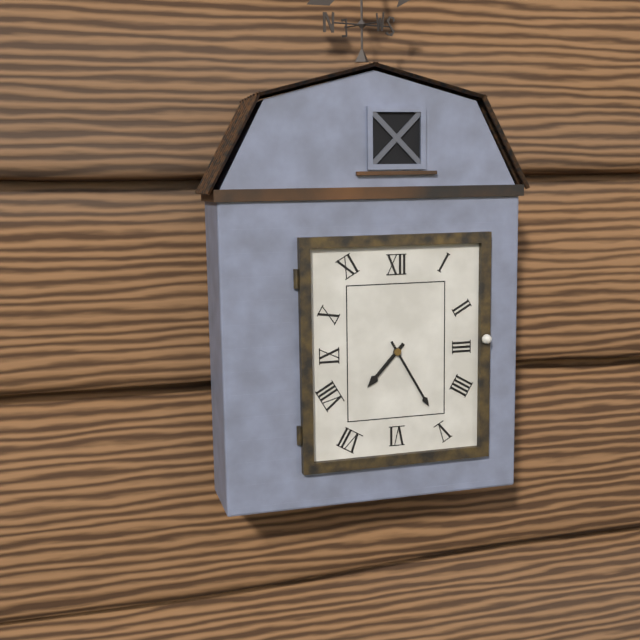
7:25
